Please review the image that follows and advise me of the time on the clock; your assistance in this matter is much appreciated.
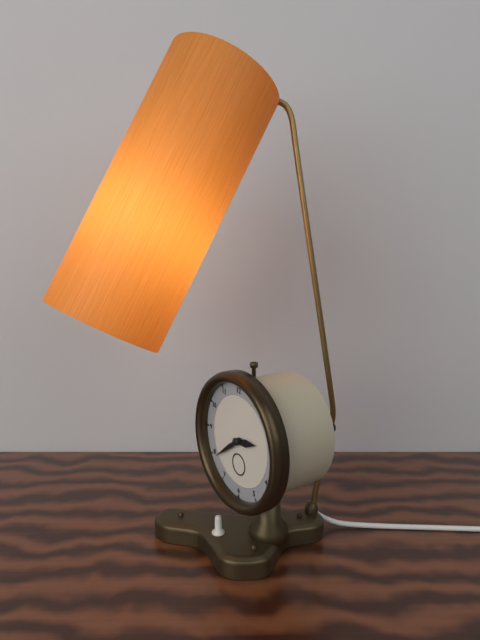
2:39
